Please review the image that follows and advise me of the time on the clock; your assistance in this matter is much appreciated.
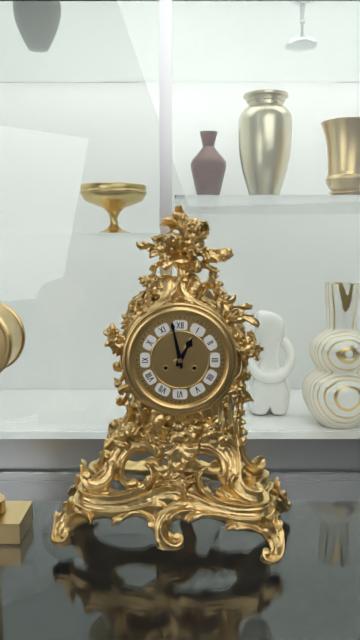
12:58
